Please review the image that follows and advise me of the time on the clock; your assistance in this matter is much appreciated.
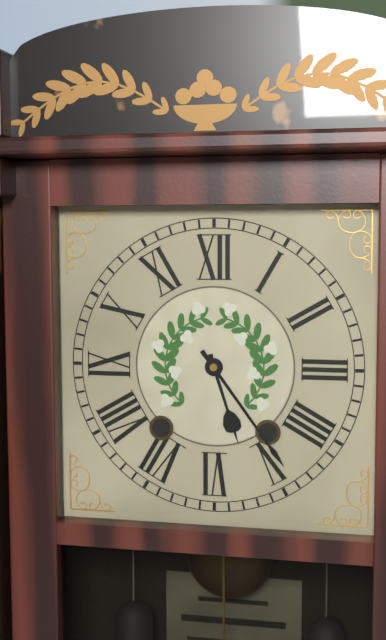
5:24
